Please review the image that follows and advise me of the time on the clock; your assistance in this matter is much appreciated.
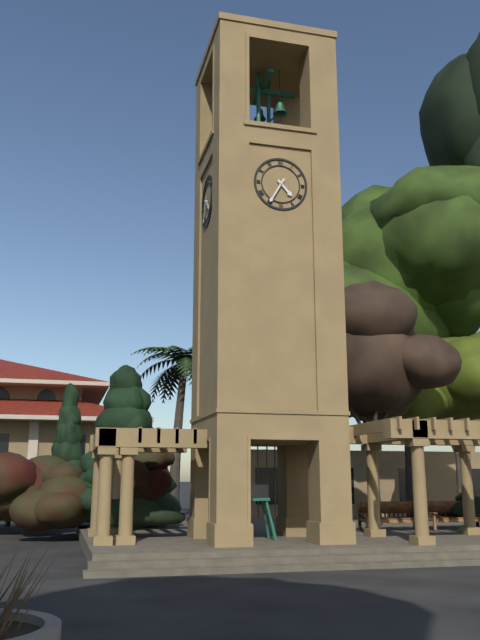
4:35
